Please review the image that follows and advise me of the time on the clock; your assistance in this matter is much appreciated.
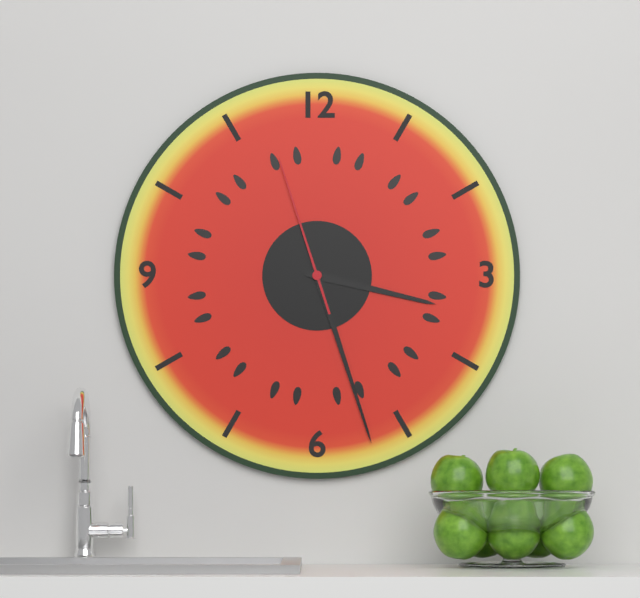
3:27:57
